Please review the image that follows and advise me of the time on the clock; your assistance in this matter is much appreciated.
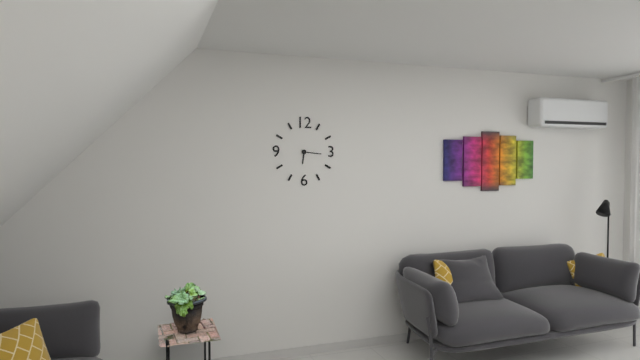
6:16
